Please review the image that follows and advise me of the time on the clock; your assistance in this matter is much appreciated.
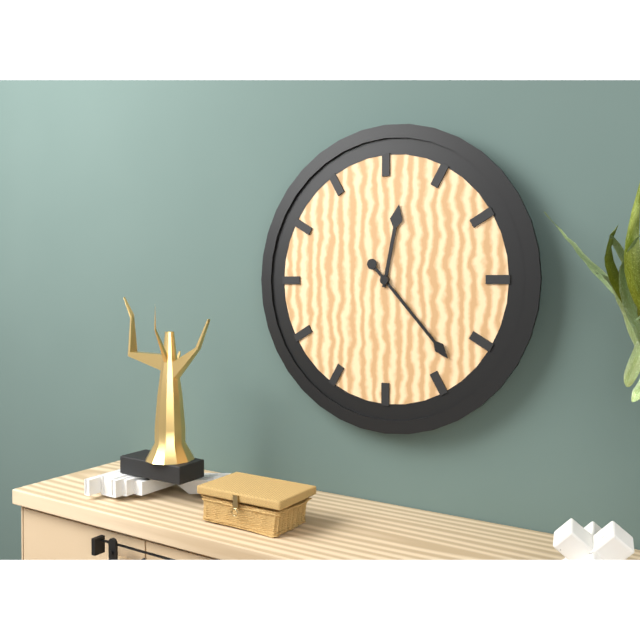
12:23
